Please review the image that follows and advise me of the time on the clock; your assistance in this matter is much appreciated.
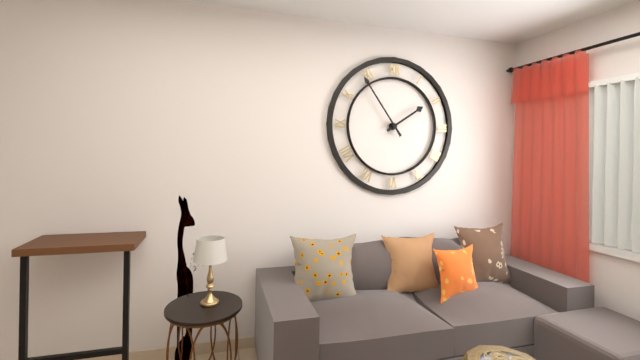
1:54
